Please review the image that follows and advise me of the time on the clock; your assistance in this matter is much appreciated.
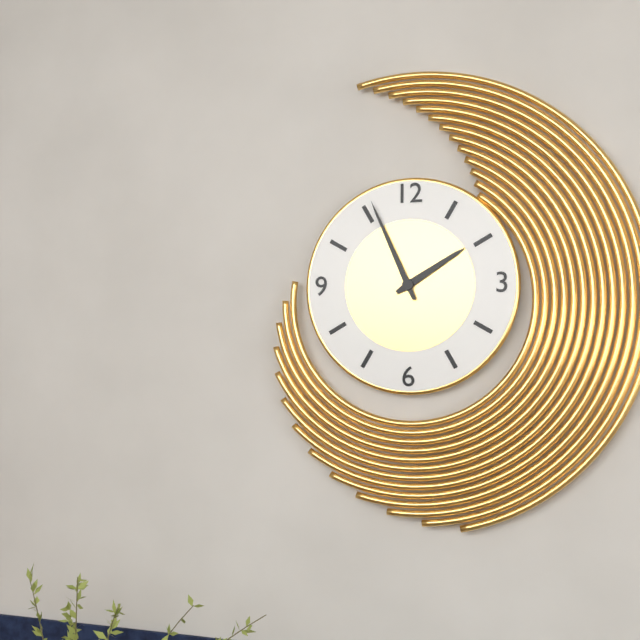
1:56
